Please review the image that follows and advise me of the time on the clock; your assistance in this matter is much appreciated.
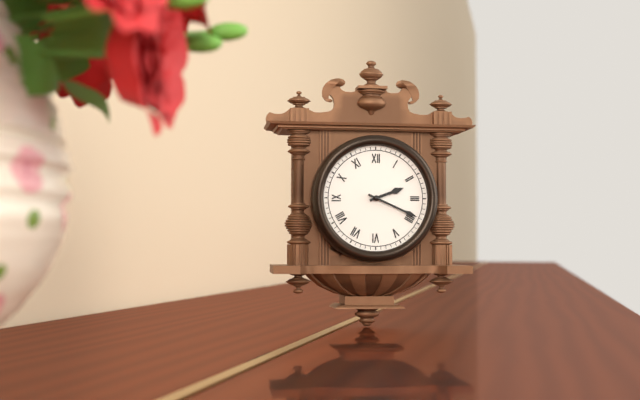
2:19
